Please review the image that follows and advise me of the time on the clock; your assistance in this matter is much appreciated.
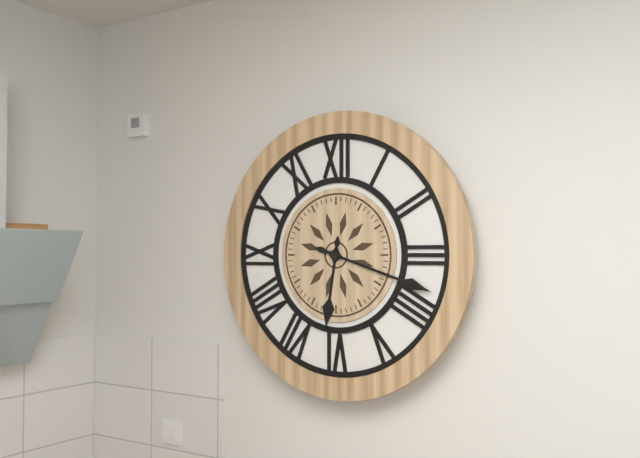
6:18
